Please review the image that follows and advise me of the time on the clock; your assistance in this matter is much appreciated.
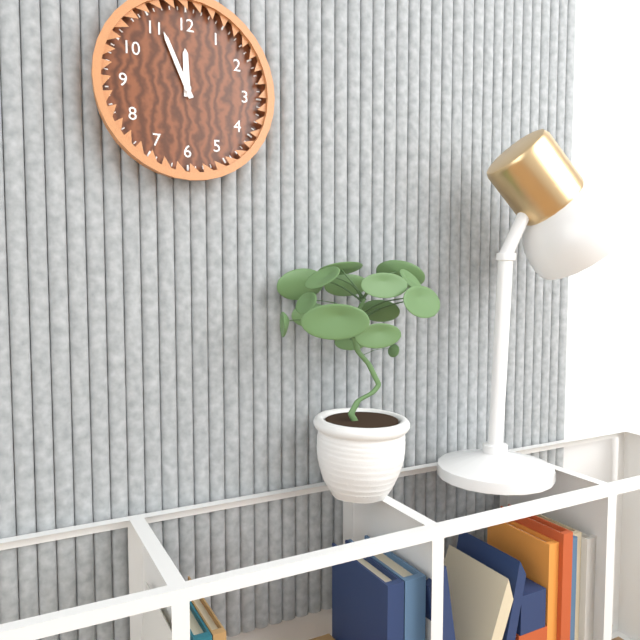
11:56
